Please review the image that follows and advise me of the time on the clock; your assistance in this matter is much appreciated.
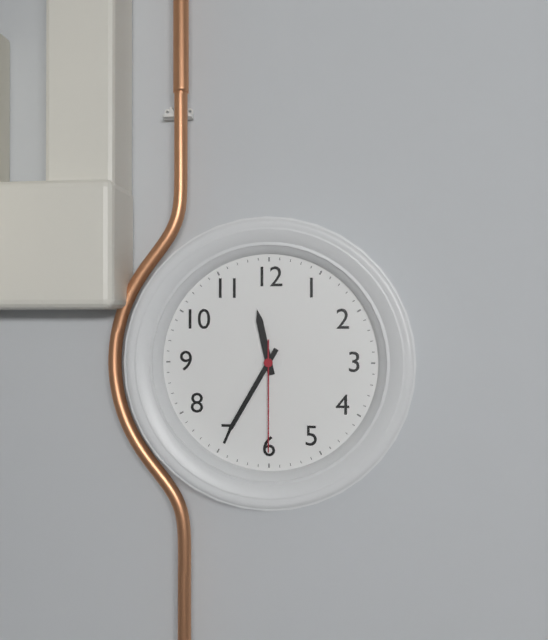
11:35:30
